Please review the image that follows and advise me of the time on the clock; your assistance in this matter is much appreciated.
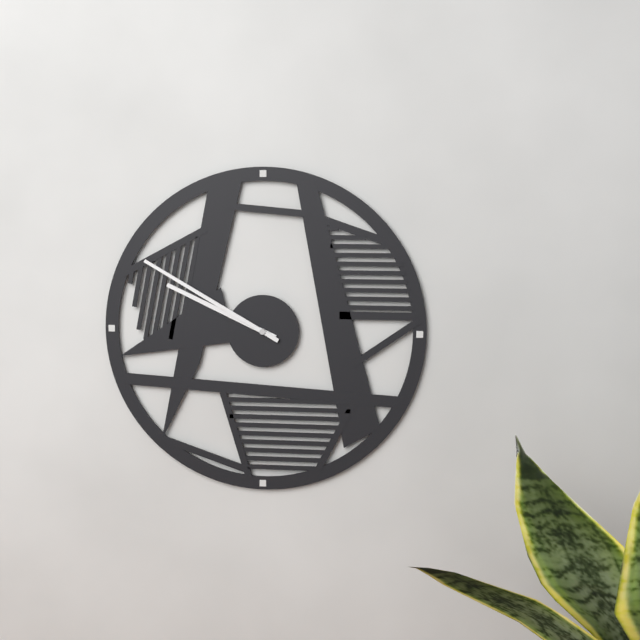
9:50
